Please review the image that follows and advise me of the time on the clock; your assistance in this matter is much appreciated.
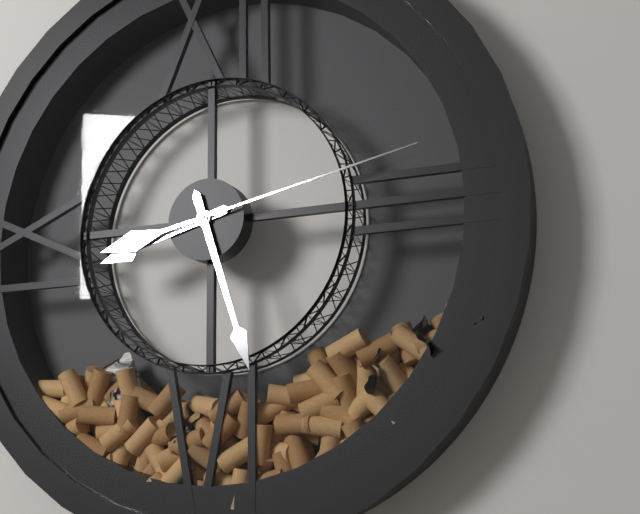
8:27:13
